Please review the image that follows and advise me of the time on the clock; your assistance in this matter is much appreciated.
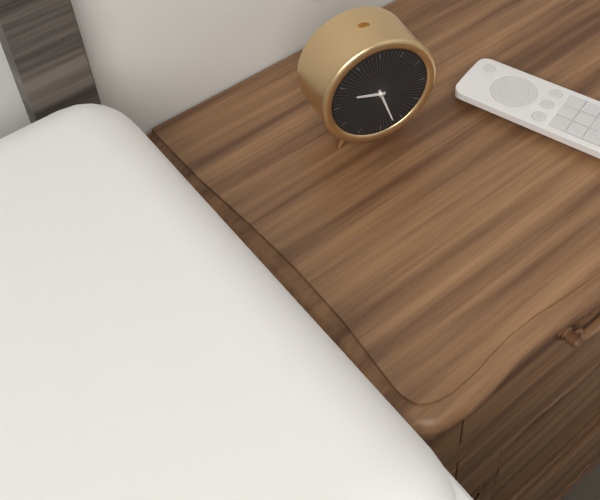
9:27
